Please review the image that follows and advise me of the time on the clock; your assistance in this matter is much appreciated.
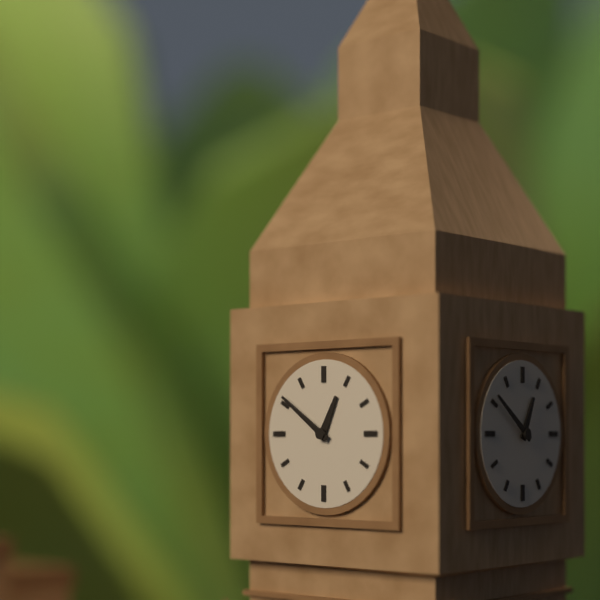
12:51
